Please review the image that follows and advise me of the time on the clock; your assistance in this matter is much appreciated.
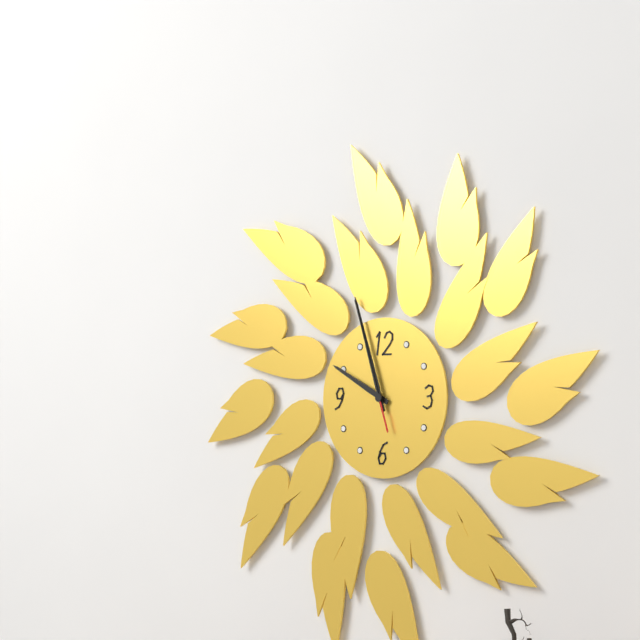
9:57:57
